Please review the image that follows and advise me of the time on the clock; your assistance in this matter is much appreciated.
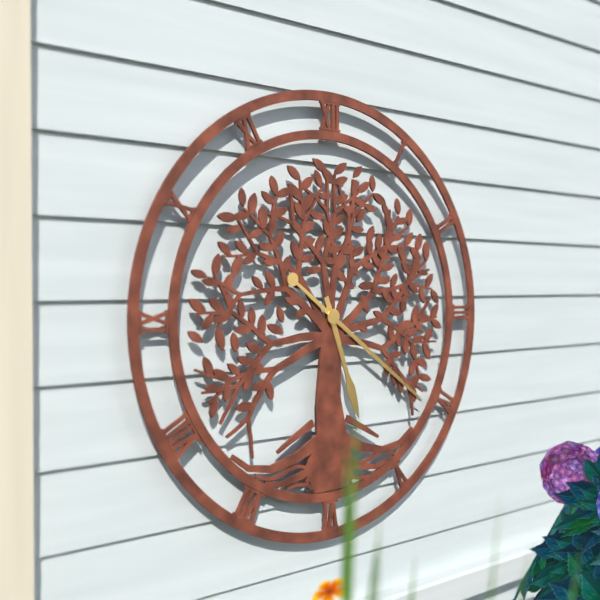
5:21
